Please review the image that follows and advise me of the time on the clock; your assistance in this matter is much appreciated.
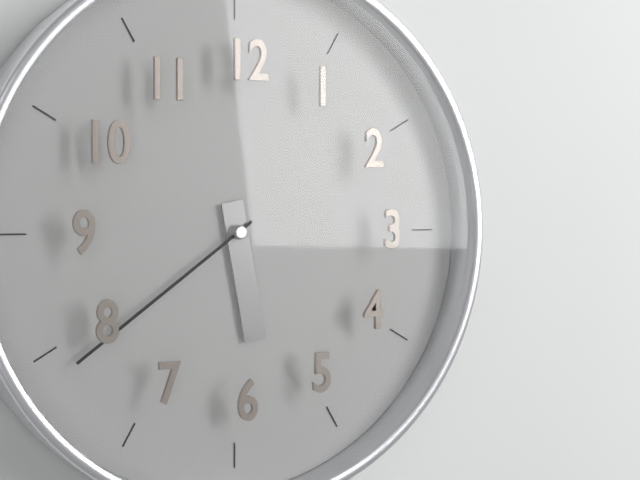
5:39
